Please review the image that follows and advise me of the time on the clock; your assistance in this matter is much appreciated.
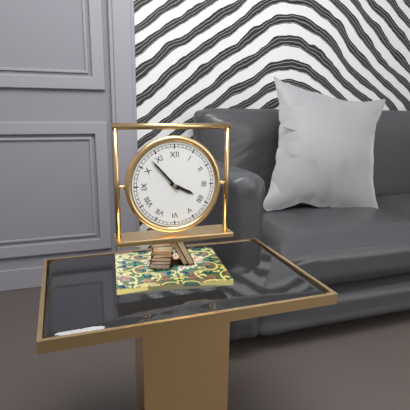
3:53
